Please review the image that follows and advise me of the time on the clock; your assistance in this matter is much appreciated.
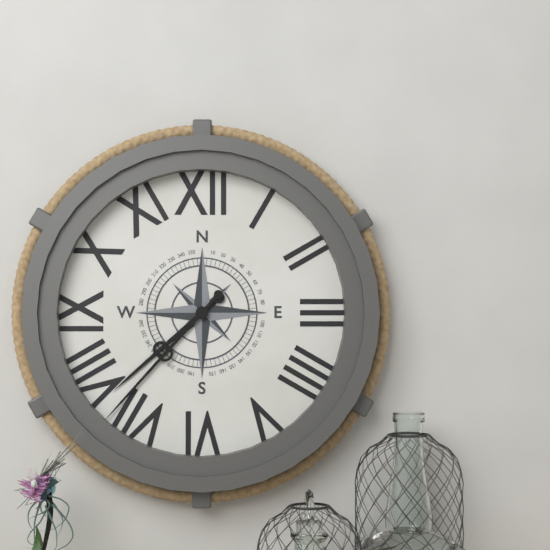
7:37
